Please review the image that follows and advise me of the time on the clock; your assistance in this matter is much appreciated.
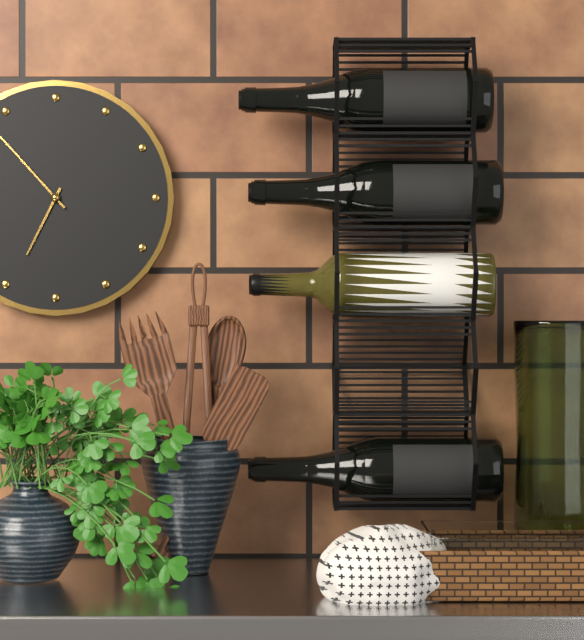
6:53
